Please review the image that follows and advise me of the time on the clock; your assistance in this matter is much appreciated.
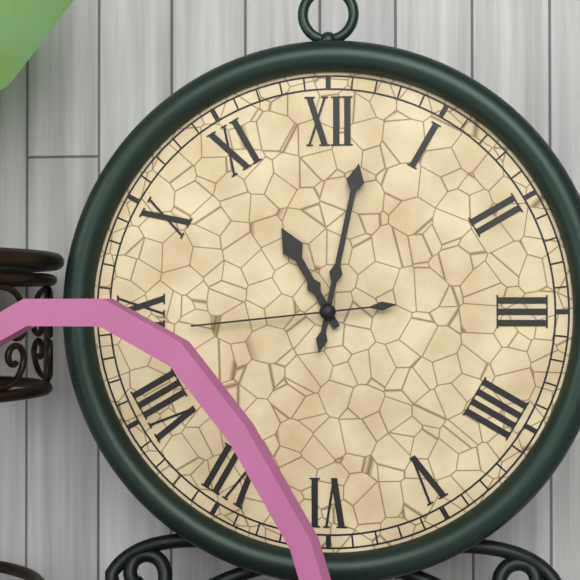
11:02:44
